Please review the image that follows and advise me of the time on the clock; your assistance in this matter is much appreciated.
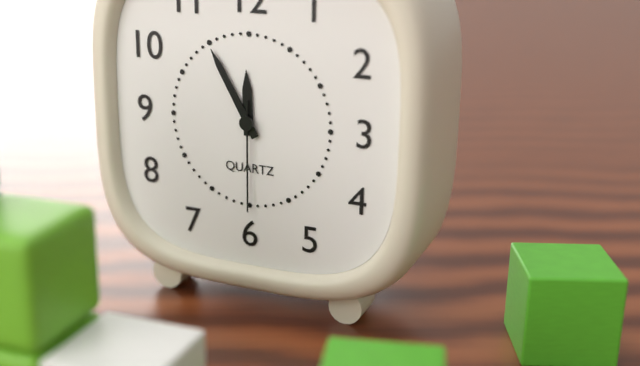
11:55:30
